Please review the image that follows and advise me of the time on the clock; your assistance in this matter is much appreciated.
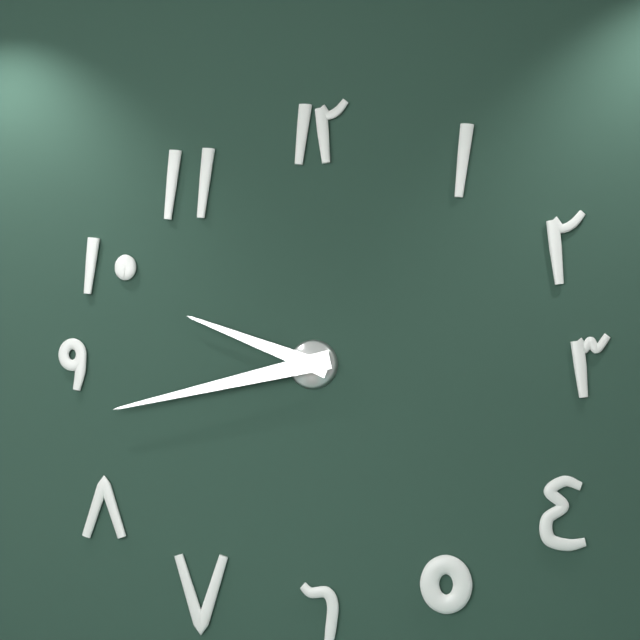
9:43
